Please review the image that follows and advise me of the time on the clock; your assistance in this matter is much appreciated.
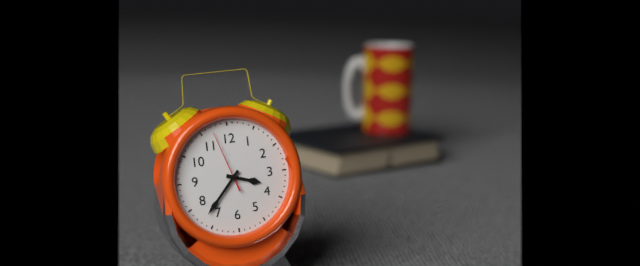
3:37:57
